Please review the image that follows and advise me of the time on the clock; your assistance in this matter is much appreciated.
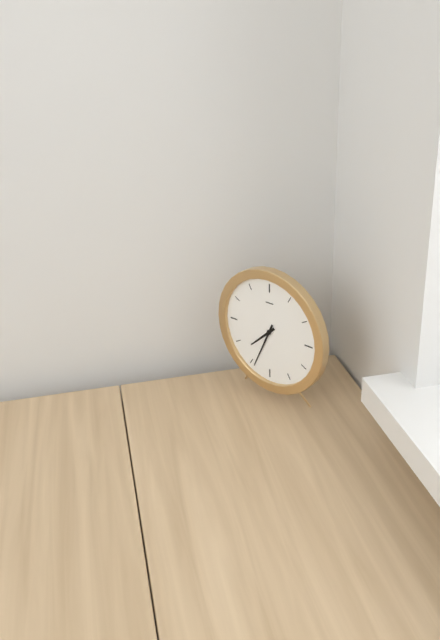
7:34
